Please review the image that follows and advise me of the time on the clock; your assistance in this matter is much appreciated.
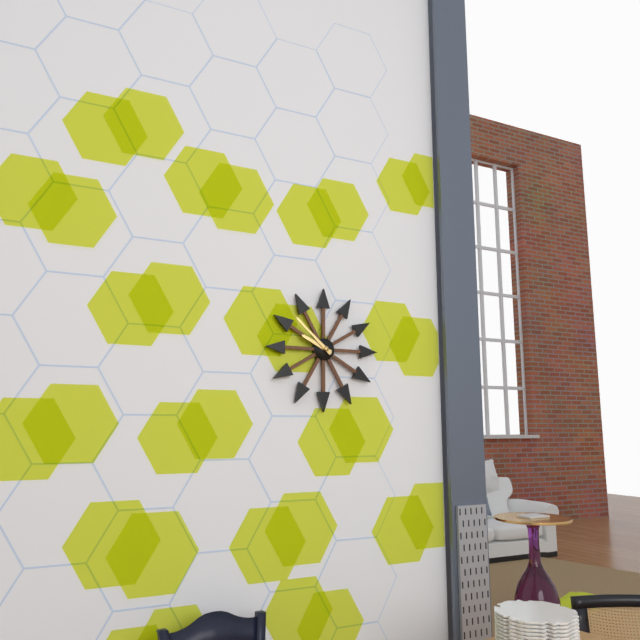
9:52
